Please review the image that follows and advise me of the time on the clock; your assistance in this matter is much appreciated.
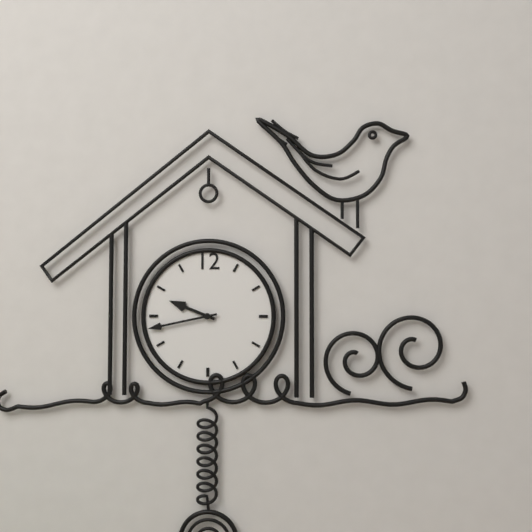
9:43
